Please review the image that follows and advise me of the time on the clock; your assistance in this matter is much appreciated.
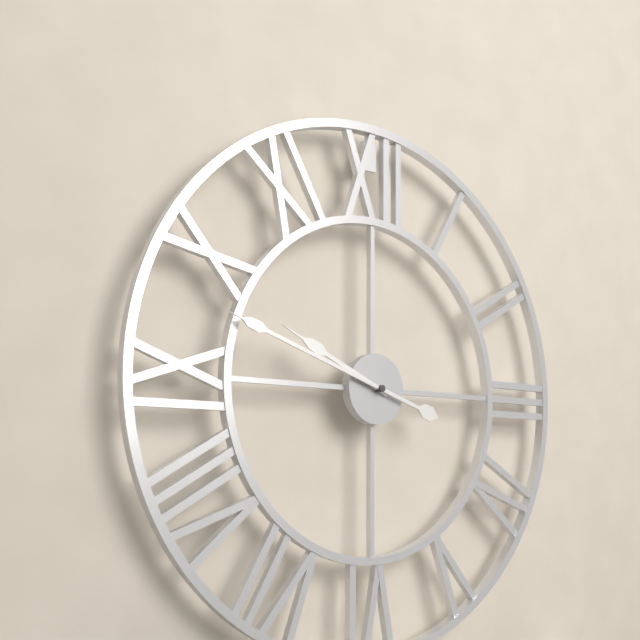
9:48
